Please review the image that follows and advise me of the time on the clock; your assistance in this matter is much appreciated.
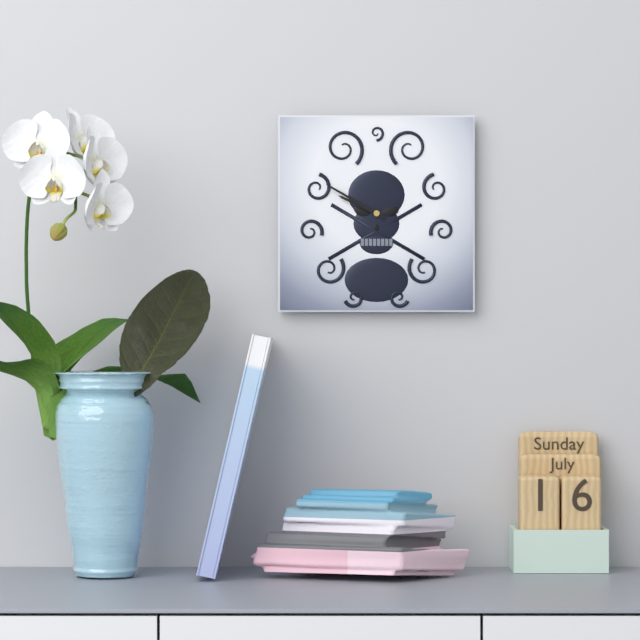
9:50
